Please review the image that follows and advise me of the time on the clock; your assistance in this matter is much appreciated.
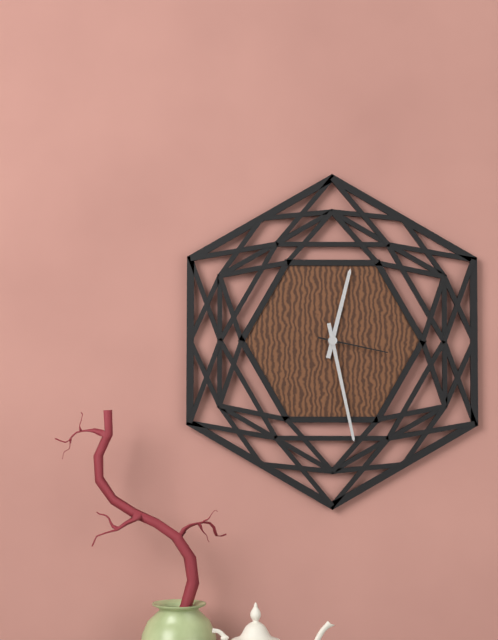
12:28:17
